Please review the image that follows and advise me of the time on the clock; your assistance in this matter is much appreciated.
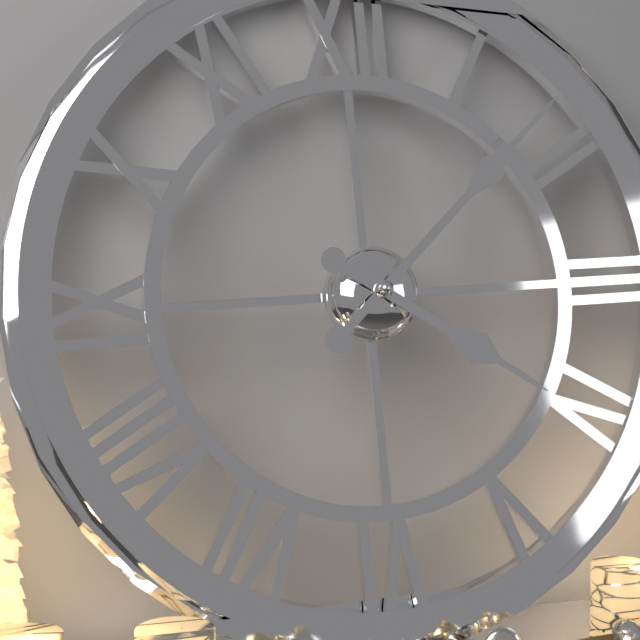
4:08
